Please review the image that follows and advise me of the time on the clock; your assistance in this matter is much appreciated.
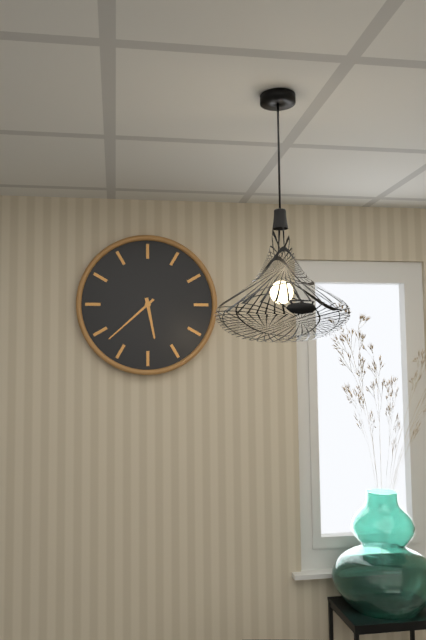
5:38
